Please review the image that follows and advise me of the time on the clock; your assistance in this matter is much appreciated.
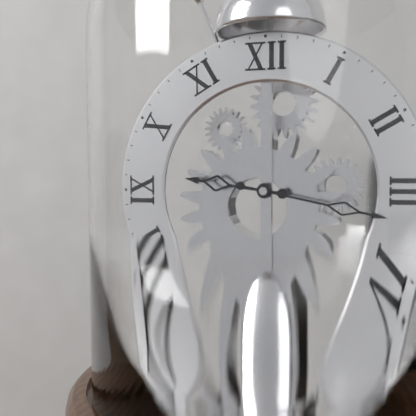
9:17
